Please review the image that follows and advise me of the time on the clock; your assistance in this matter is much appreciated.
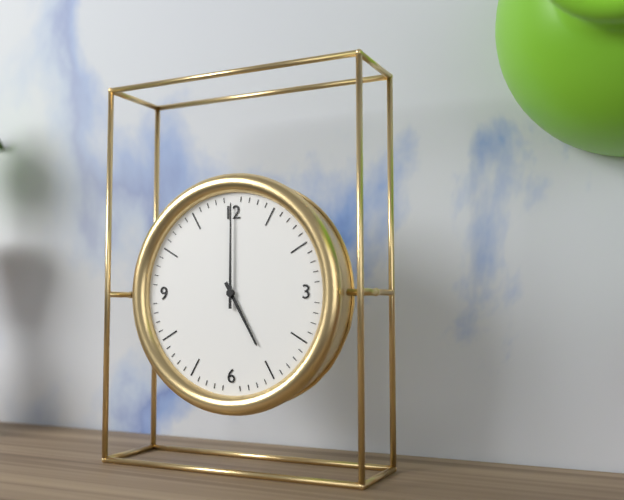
5:00
